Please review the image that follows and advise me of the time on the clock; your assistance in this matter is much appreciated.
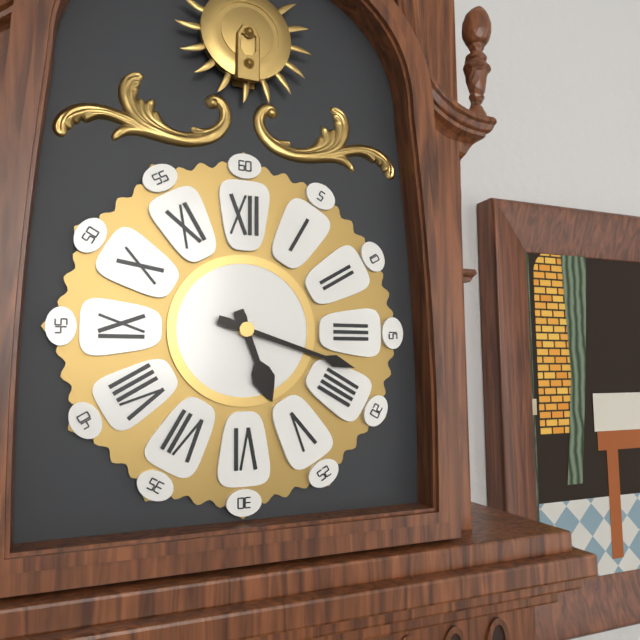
5:18
